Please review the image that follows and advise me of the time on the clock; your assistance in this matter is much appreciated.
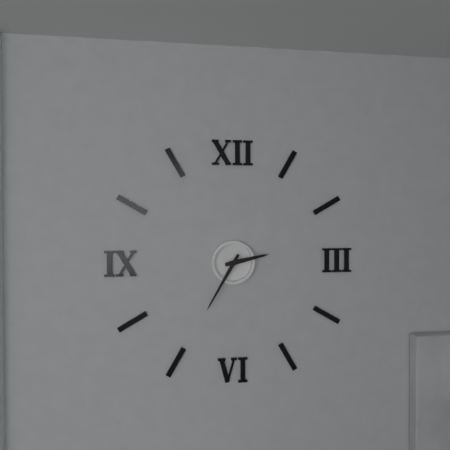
2:35
